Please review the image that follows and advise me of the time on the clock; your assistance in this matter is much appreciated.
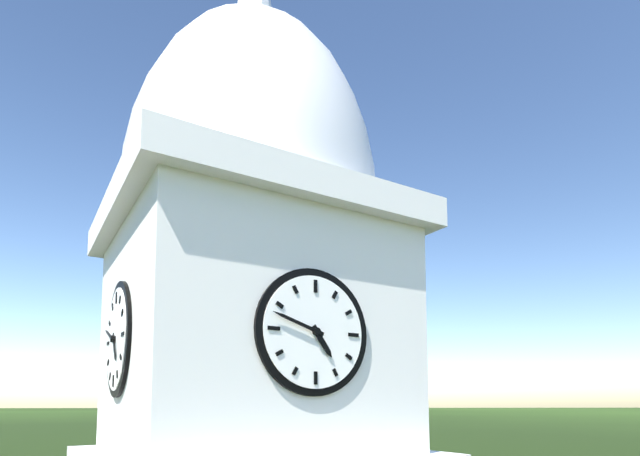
4:48
